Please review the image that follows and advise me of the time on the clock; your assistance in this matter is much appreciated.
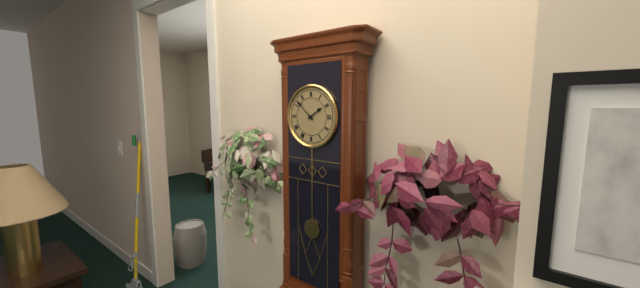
1:52
